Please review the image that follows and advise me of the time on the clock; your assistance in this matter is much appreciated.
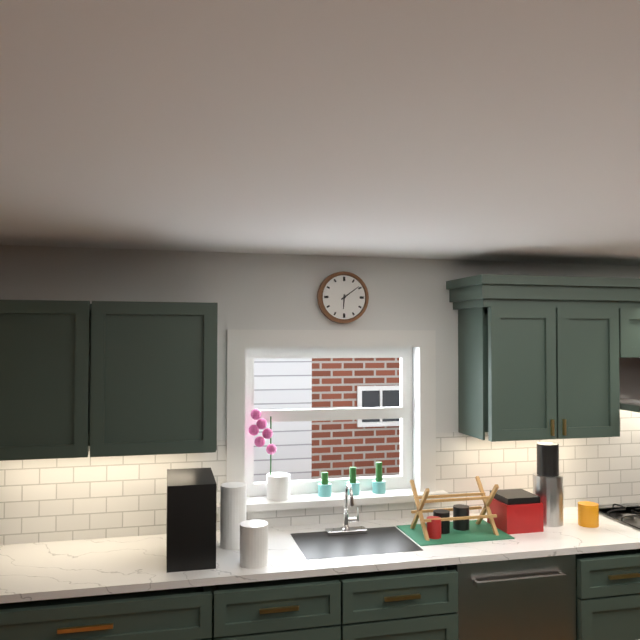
6:09
